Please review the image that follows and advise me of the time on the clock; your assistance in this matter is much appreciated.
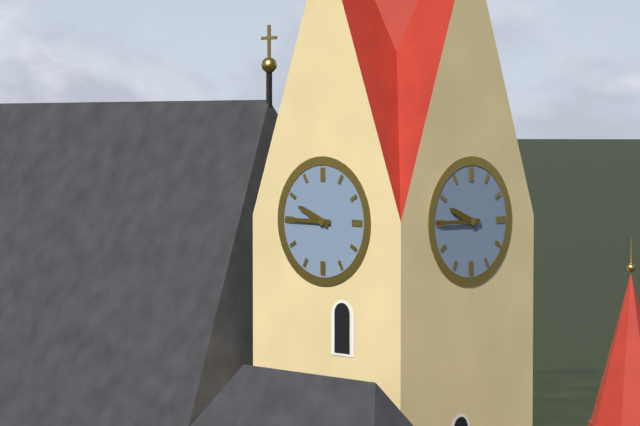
9:45
